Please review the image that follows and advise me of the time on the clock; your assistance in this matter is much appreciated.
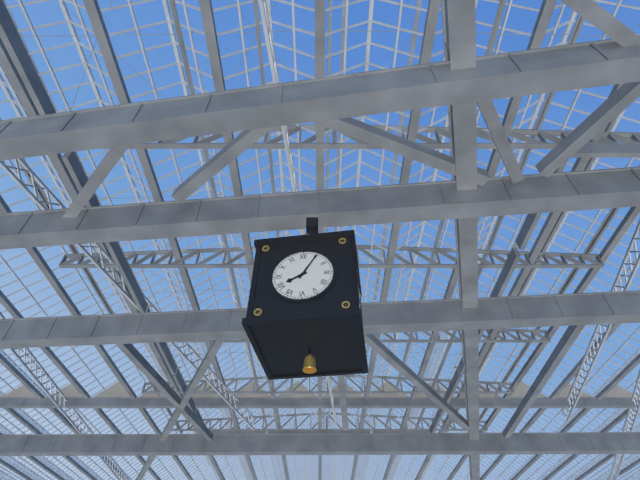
8:05
